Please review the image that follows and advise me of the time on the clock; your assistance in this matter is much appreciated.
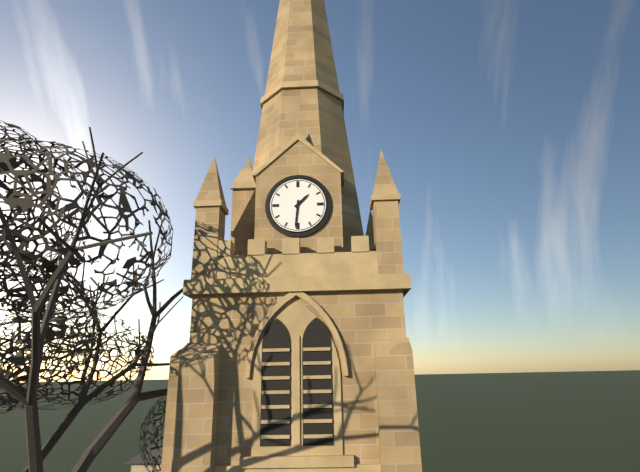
1:31
